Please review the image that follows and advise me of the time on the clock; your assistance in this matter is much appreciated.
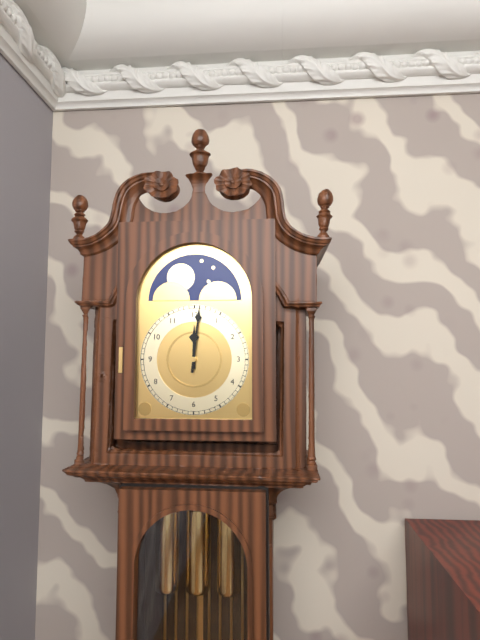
12:01
